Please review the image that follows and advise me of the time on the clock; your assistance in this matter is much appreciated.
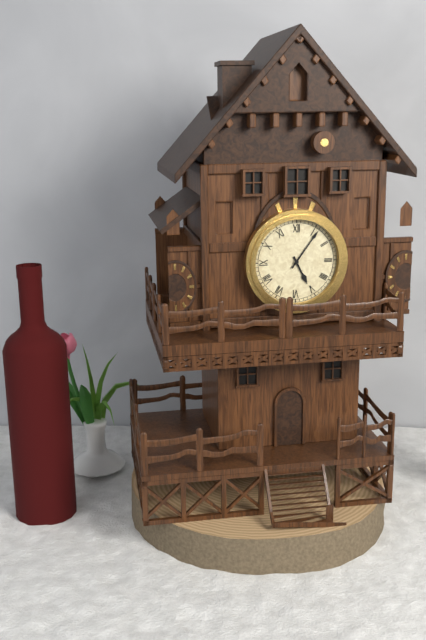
5:06
